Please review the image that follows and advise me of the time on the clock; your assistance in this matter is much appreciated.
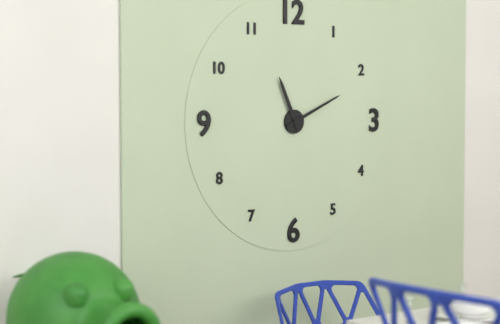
11:11
